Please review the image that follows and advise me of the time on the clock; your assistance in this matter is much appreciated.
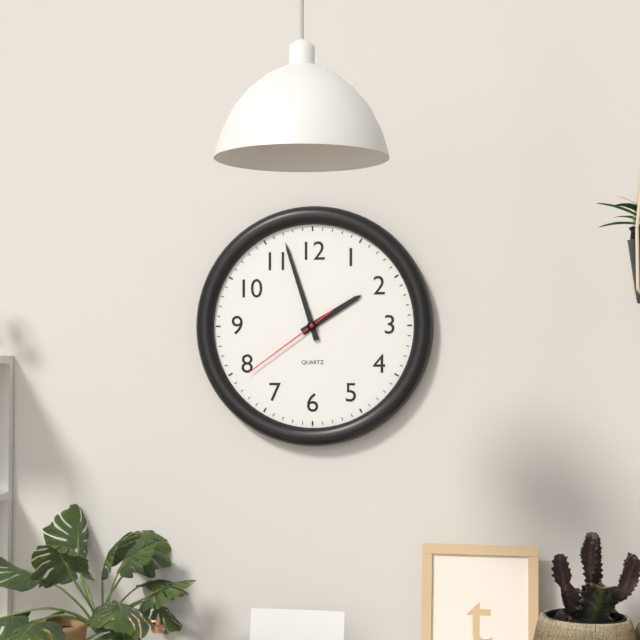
1:57:39
